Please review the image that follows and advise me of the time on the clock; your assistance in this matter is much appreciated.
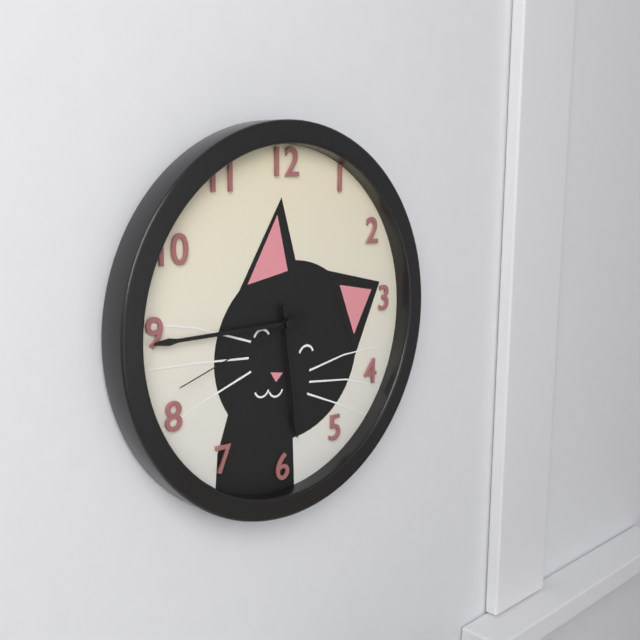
5:45:42
